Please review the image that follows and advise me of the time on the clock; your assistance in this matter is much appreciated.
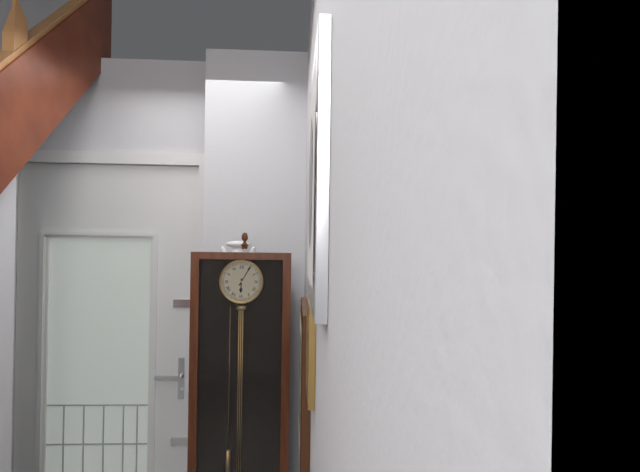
6:05
